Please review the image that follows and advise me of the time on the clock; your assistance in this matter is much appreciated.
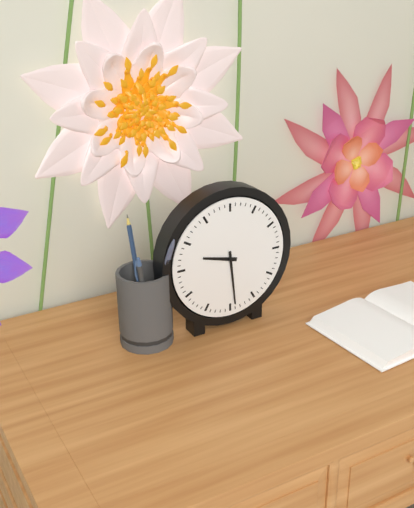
9:29
